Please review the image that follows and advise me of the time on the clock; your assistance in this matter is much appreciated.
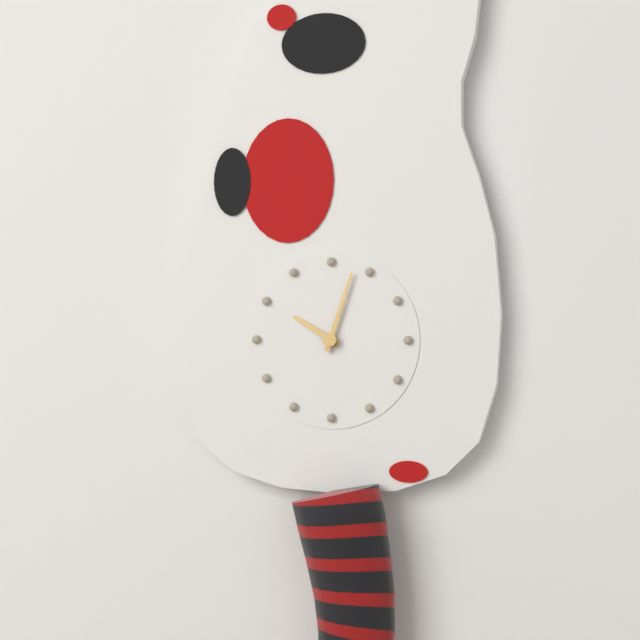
10:03
